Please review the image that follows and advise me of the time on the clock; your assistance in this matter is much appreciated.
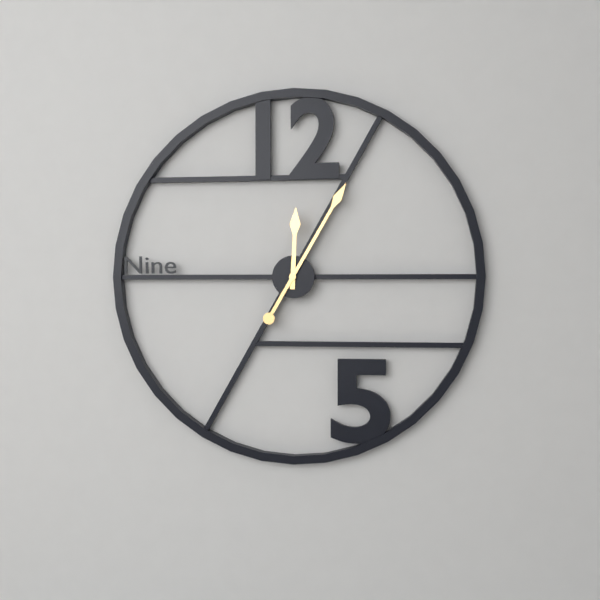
12:05
